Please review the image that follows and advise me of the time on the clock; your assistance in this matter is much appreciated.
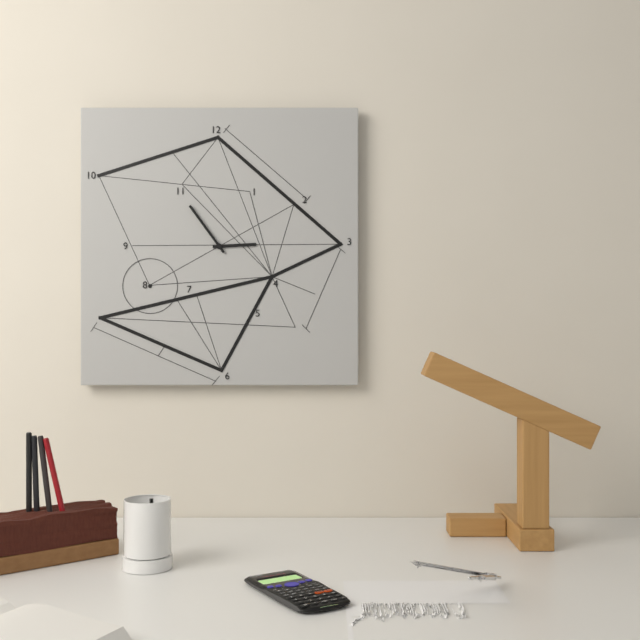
2:54
